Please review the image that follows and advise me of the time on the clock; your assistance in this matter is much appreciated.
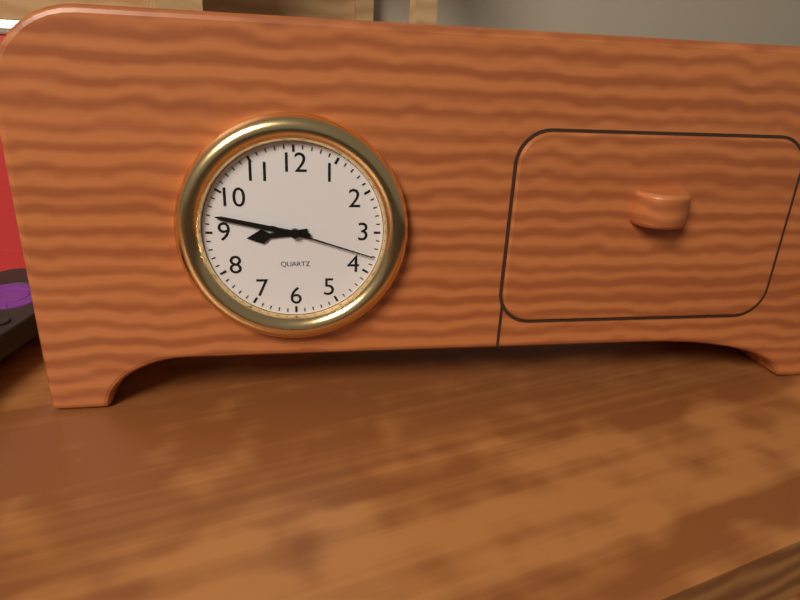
8:47:18
